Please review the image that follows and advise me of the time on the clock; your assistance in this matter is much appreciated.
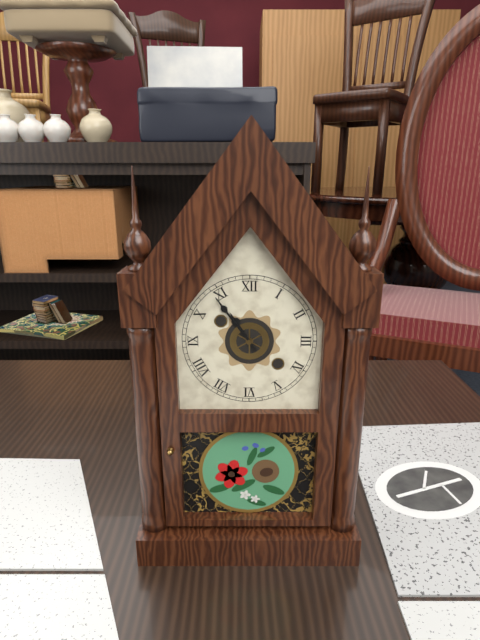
10:54
